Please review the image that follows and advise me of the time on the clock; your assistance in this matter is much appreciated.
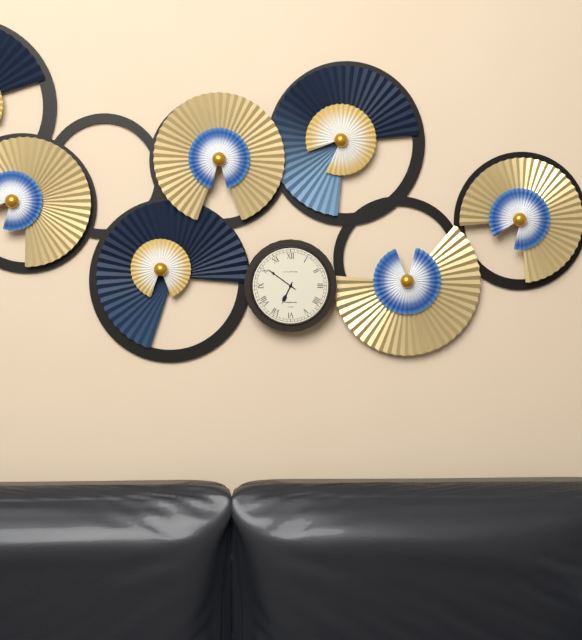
6:51
